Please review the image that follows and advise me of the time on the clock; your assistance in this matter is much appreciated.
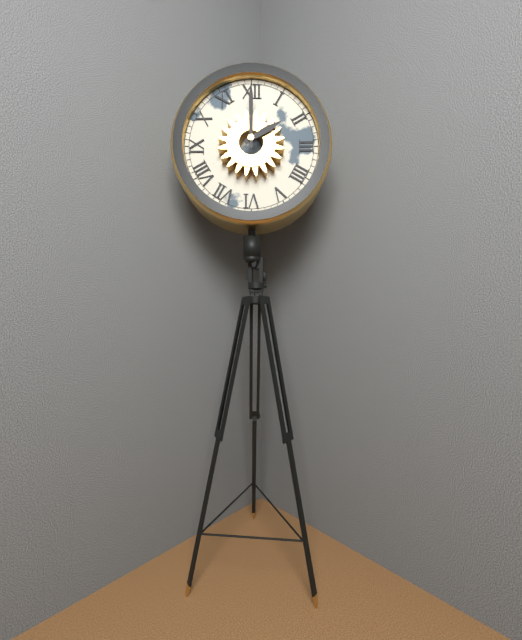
2:00
